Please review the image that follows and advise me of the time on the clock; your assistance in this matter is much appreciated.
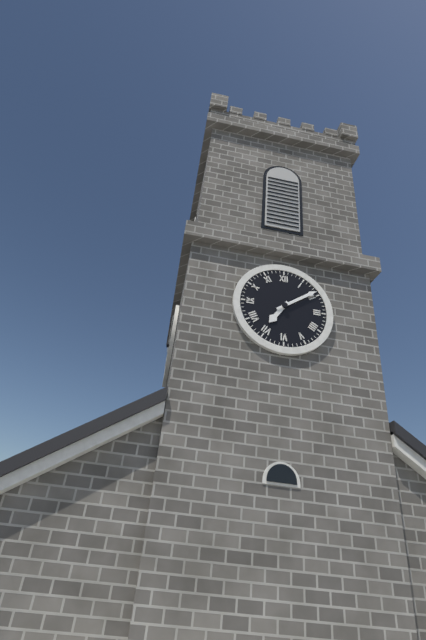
7:09
